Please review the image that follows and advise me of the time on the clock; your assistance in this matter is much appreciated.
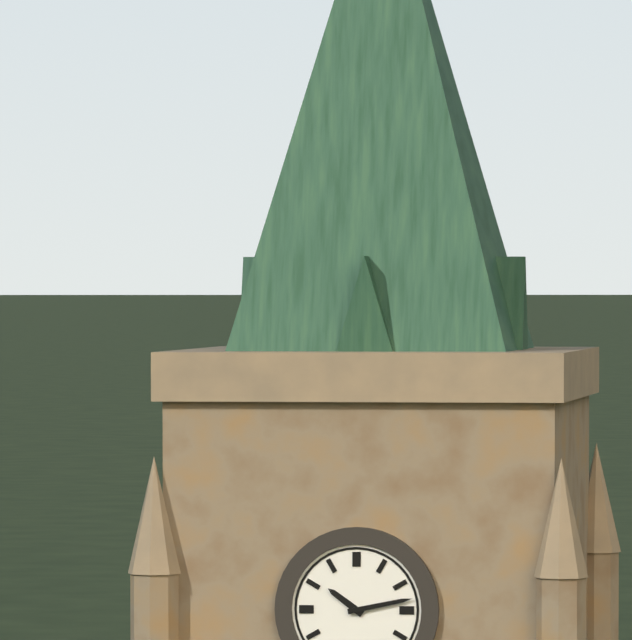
10:13
